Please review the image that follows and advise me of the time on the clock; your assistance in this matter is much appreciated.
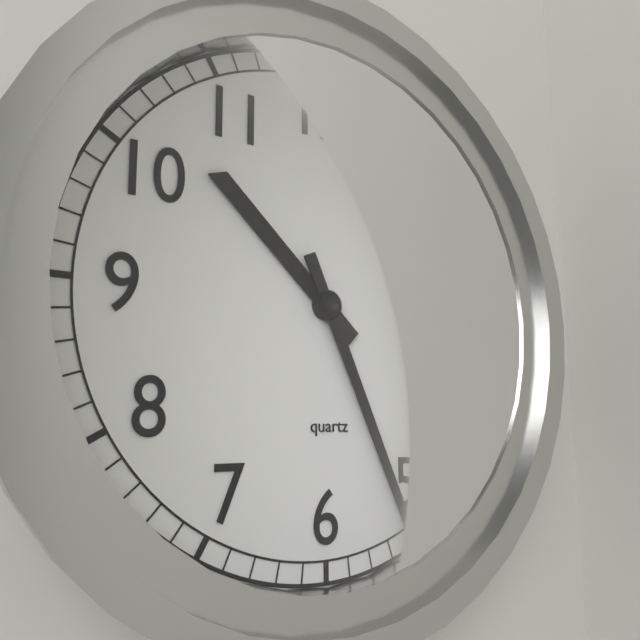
10:26
